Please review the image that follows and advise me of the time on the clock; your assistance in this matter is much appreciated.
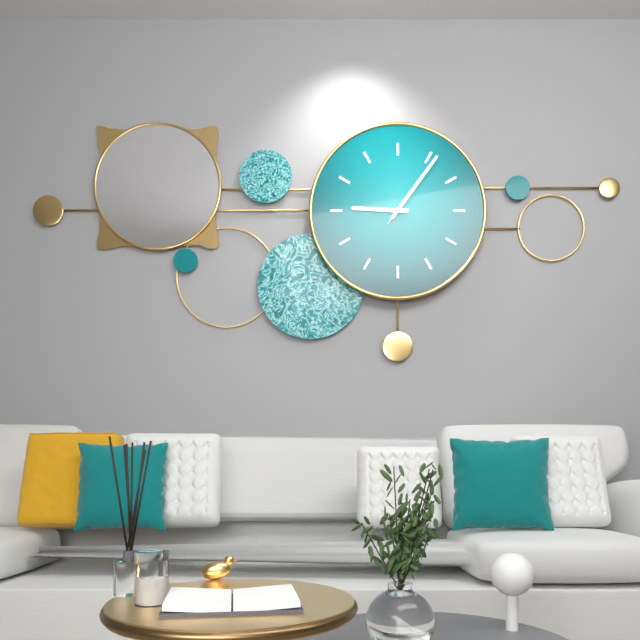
9:06:06
